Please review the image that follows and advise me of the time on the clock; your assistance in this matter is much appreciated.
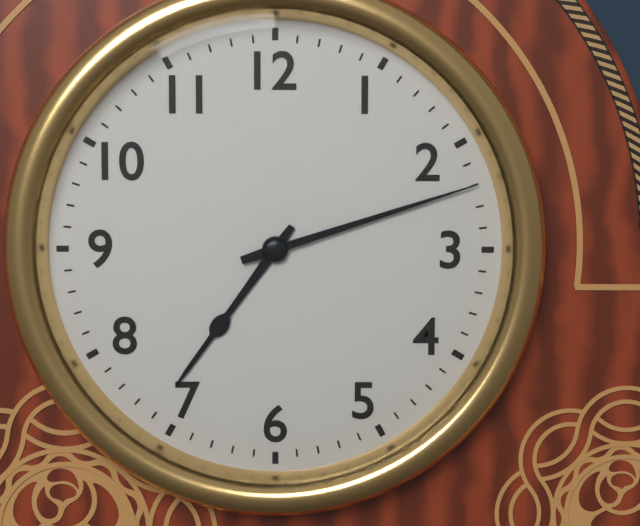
7:12
